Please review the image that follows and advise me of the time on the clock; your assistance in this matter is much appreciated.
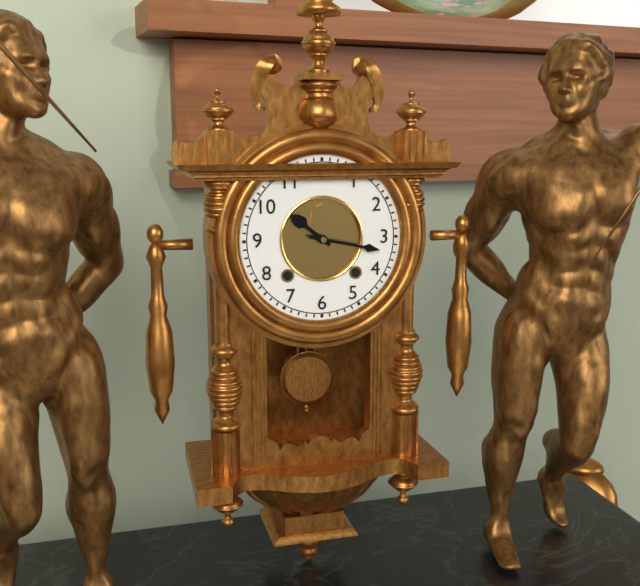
10:17
